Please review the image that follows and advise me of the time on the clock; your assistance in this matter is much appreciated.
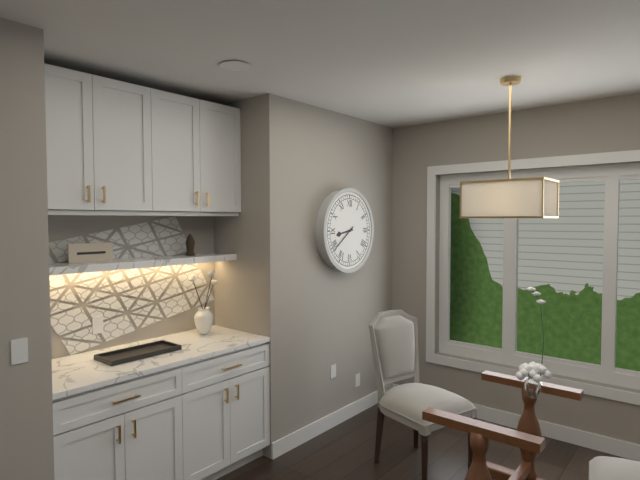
8:39
